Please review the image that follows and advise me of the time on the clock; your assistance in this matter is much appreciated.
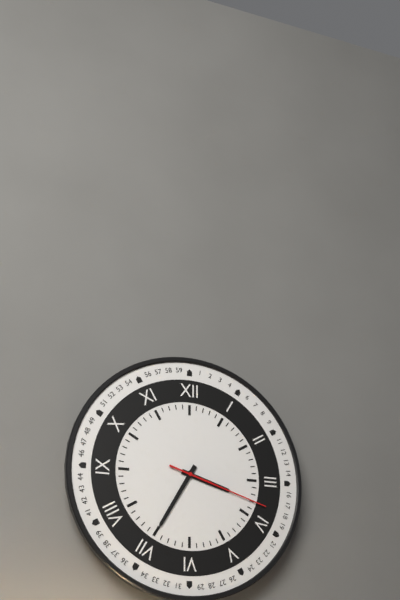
3:35:18
